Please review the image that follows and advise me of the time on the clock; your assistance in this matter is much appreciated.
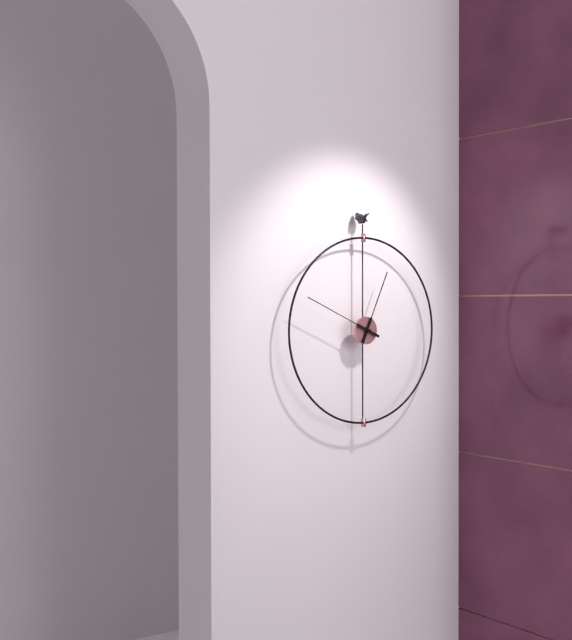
12:49
